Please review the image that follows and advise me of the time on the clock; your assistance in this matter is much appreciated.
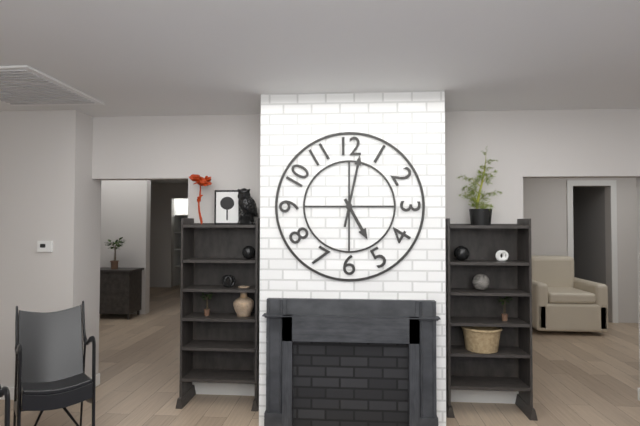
5:02
